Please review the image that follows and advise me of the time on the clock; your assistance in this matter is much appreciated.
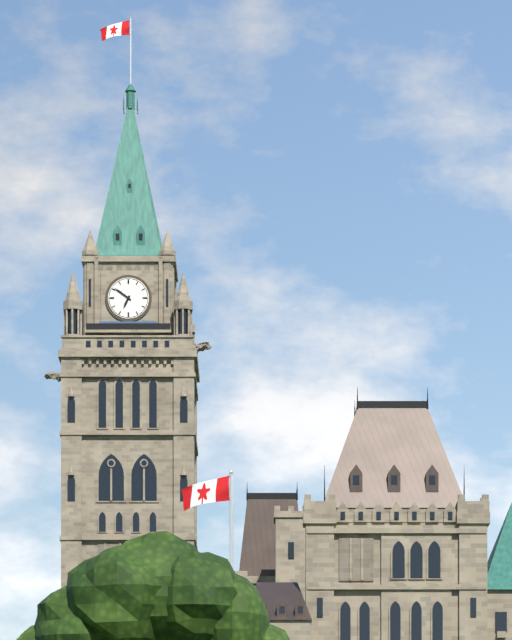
6:51
